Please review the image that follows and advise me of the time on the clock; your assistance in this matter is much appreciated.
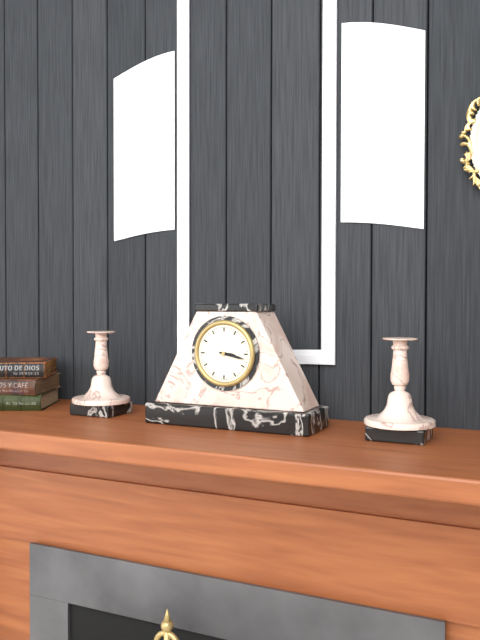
3:17
